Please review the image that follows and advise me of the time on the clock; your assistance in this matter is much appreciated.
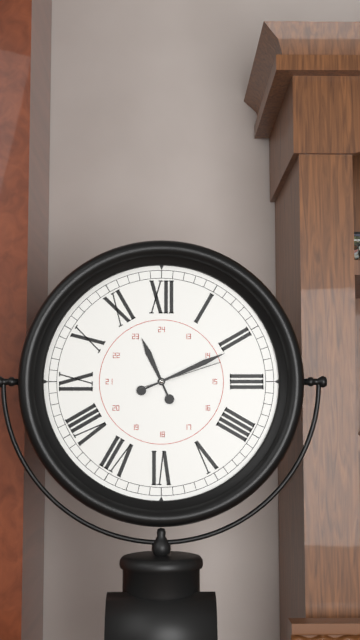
11:11:12
